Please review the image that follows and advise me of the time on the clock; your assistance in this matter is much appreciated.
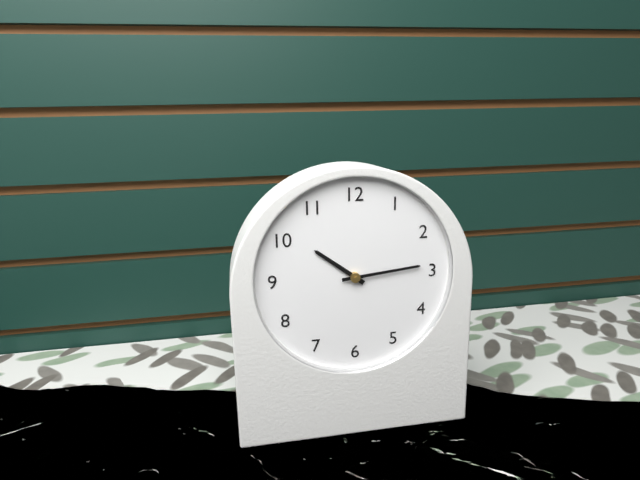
10:14
